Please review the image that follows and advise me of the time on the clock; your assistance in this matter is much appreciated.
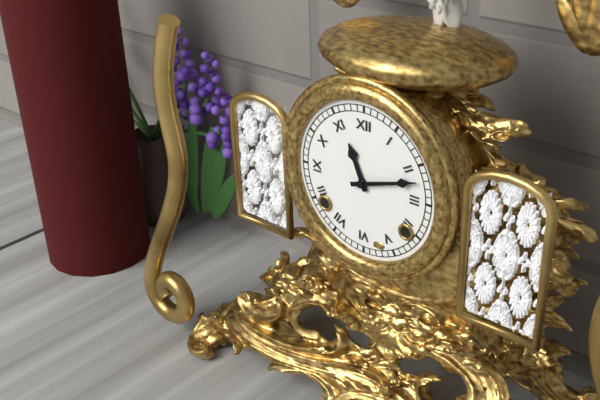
11:12
